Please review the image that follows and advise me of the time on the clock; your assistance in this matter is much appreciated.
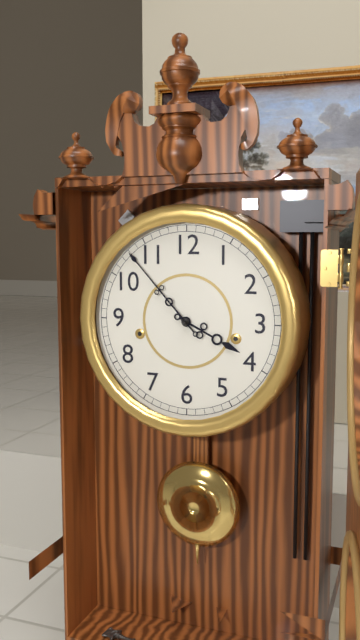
3:53
